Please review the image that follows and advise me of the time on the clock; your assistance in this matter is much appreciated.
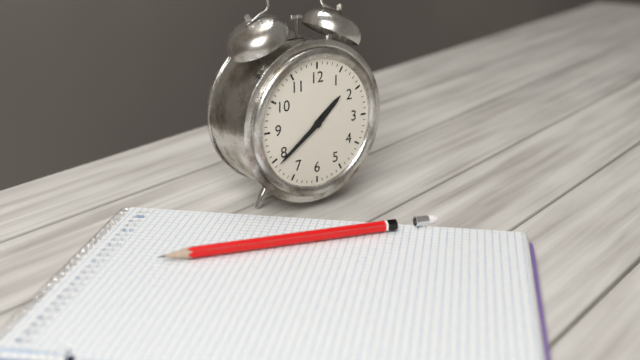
1:39
